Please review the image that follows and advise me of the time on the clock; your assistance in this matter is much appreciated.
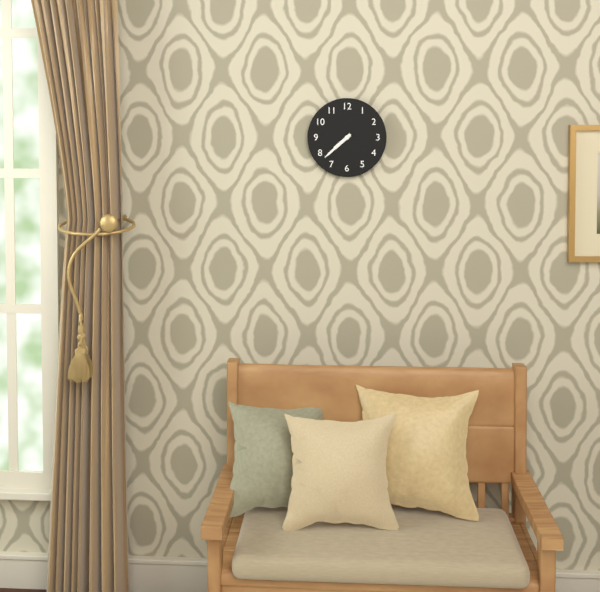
7:38
